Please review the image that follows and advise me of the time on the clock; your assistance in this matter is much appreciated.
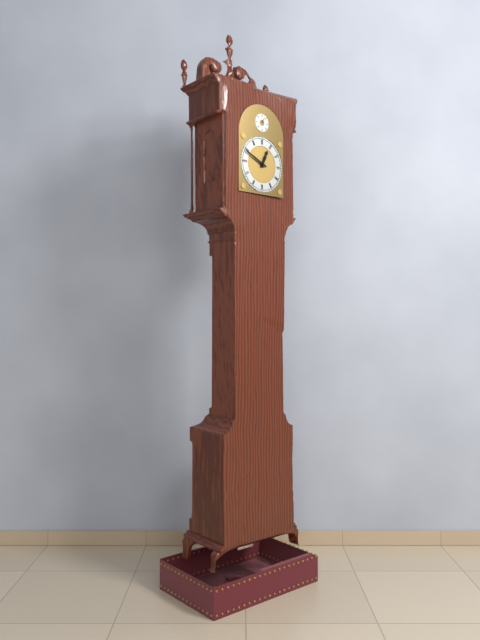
12:49
